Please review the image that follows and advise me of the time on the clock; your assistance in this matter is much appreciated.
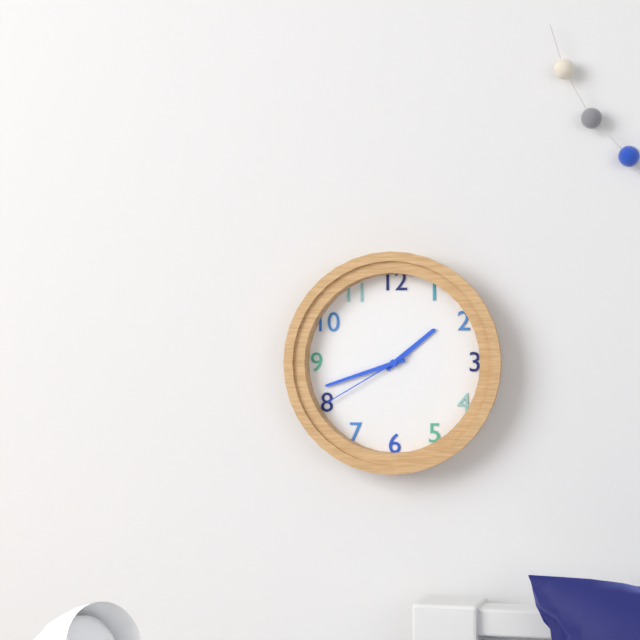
1:42:40
